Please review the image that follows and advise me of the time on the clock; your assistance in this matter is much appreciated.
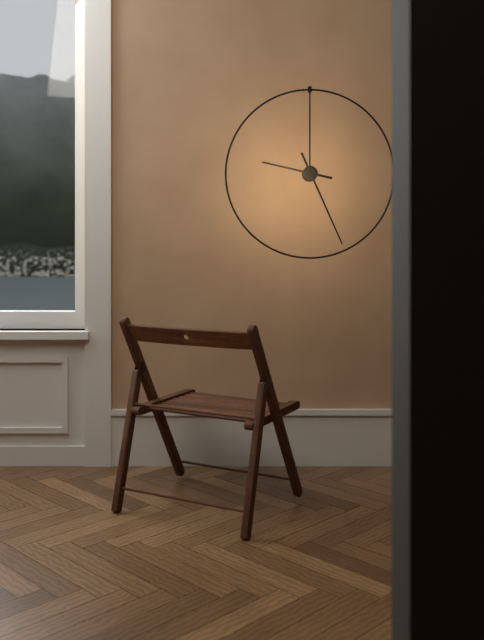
9:26
